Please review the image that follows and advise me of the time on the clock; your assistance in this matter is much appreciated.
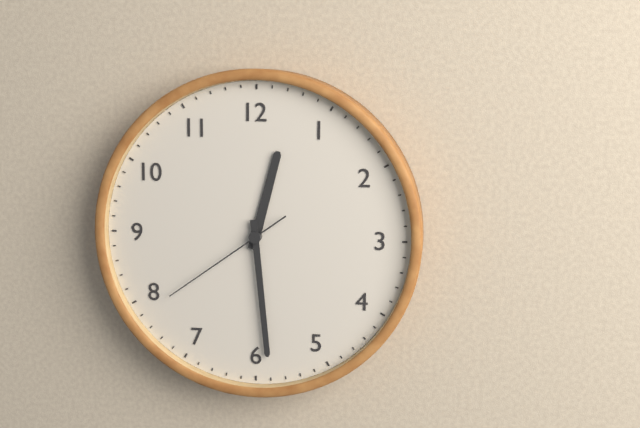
12:29:39
